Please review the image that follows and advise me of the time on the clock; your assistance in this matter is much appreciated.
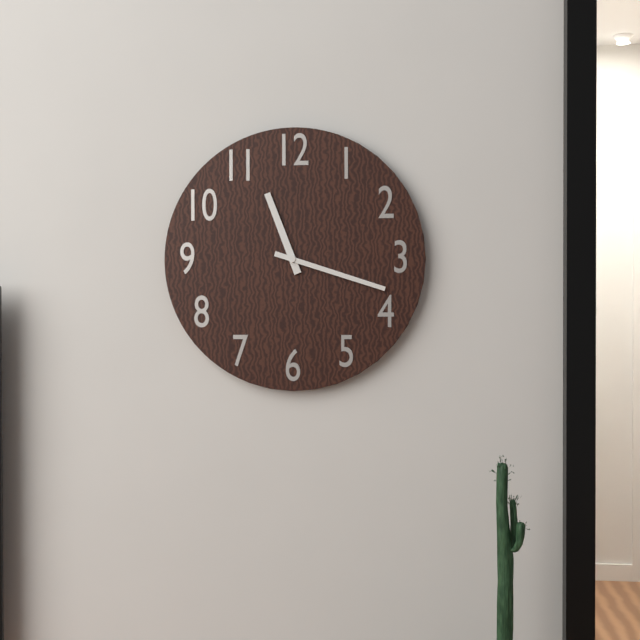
11:18
